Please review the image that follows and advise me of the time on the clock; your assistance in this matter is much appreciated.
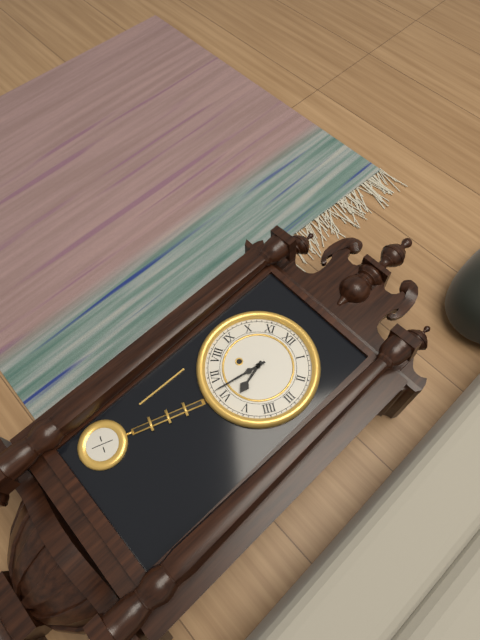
5:32
